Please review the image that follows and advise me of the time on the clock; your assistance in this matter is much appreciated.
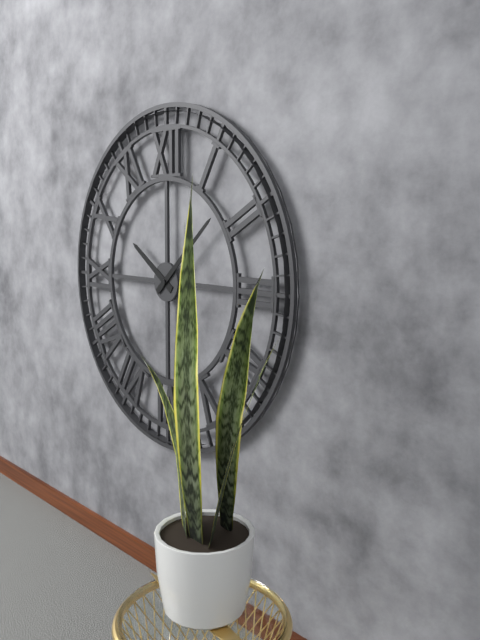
10:08
